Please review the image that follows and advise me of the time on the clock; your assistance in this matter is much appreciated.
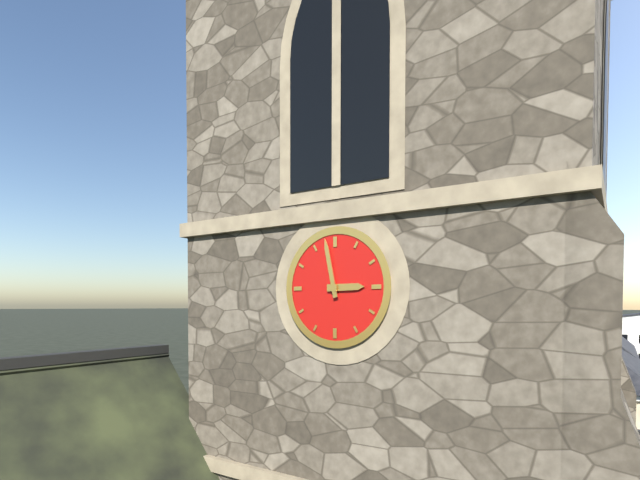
2:58
